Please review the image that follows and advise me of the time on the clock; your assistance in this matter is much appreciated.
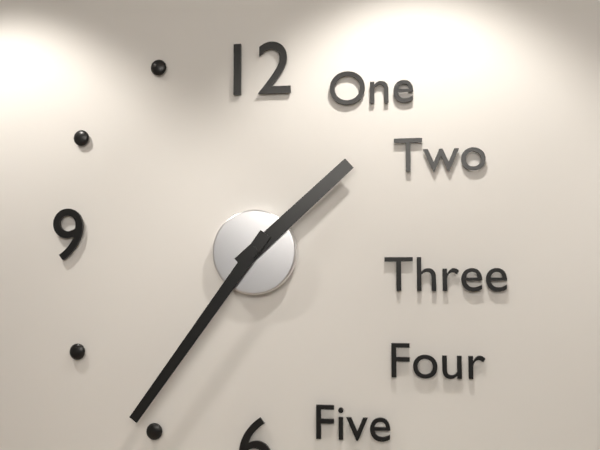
1:36
